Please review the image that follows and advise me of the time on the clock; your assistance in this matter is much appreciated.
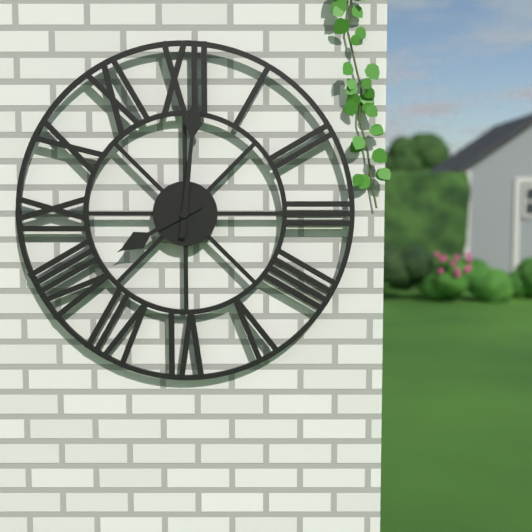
8:01
